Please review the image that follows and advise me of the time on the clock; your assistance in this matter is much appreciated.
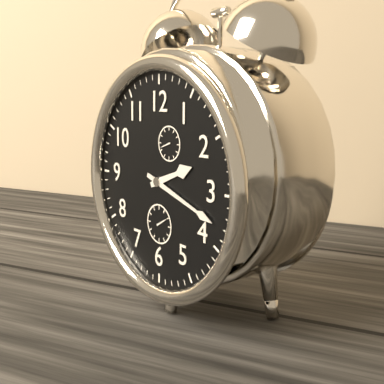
2:18
